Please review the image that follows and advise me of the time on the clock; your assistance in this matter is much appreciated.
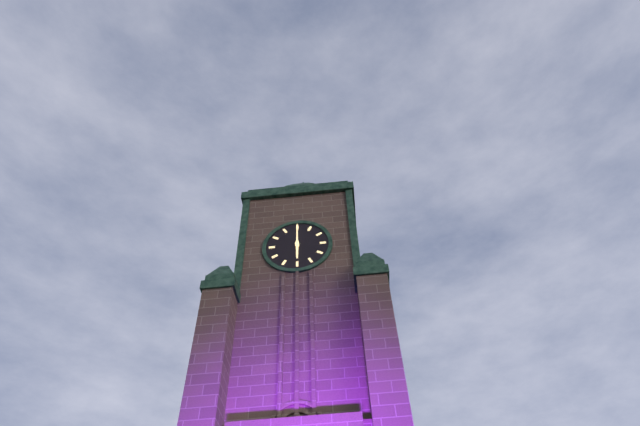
6:00
